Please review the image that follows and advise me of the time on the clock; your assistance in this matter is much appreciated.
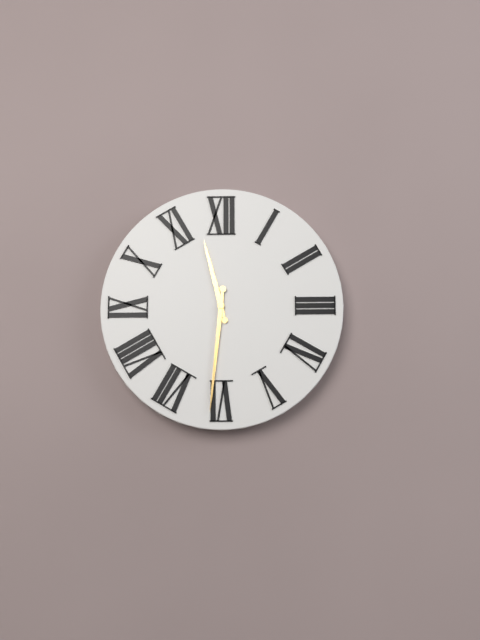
11:31
